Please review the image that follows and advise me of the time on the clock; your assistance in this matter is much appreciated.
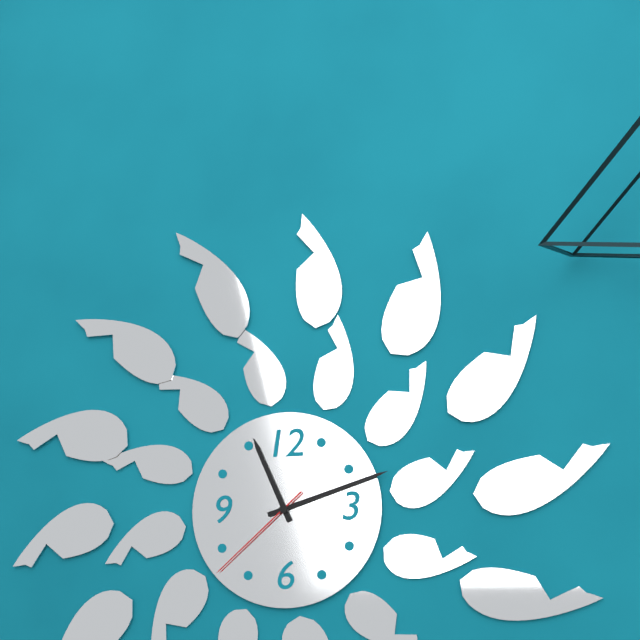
11:12:38
